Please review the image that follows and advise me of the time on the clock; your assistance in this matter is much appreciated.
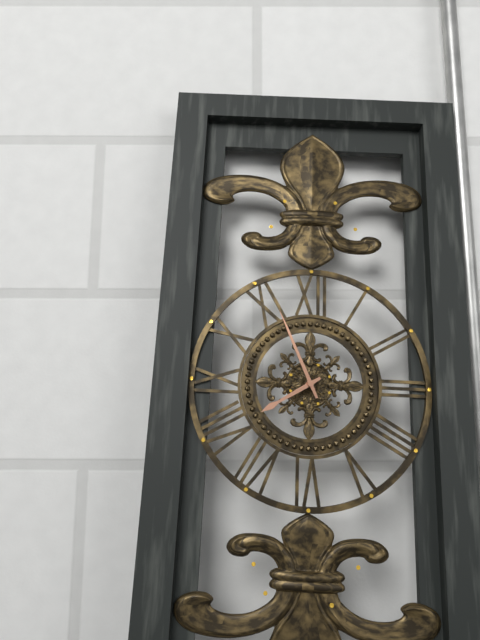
7:56
